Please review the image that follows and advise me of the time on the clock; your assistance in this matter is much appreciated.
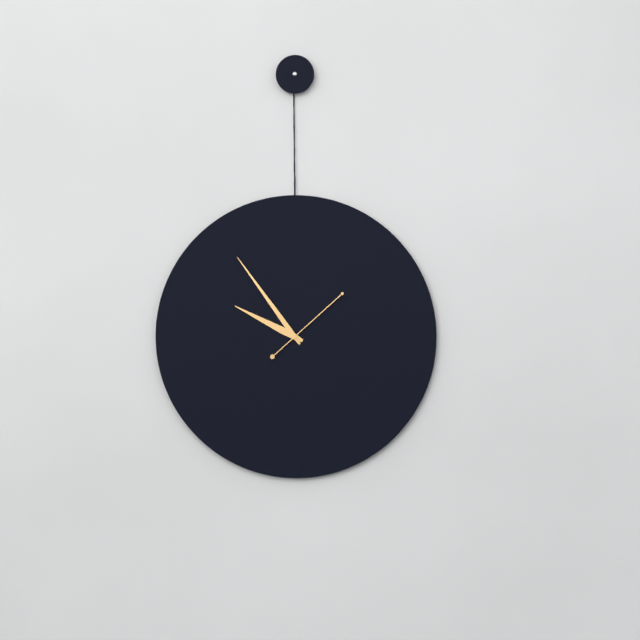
9:54:08
